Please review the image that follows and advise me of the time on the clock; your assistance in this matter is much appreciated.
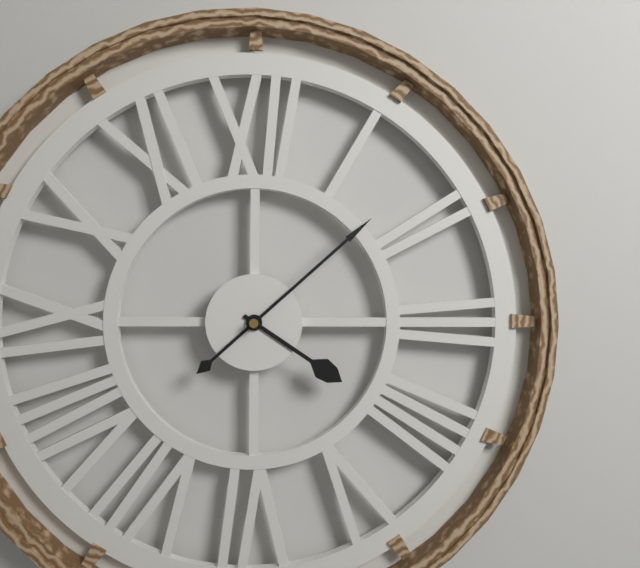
4:08
